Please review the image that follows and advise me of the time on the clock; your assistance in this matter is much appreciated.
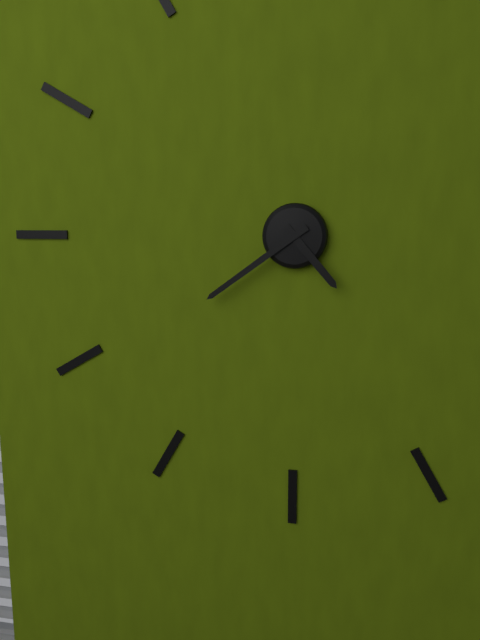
4:39
